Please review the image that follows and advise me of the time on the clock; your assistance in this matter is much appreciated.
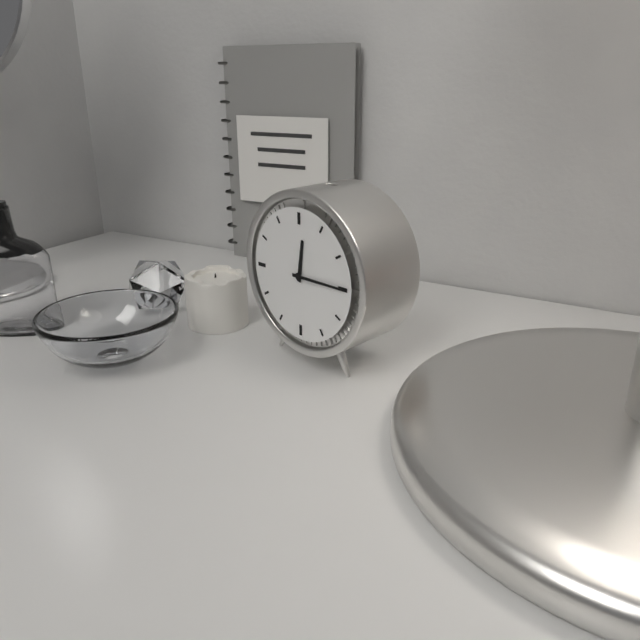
12:15
